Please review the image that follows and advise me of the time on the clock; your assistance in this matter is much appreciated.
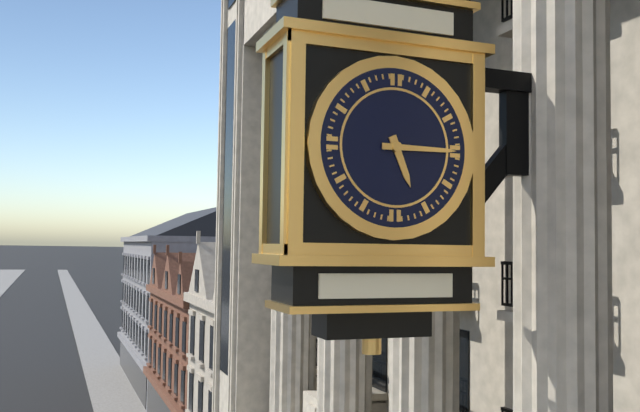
5:15
